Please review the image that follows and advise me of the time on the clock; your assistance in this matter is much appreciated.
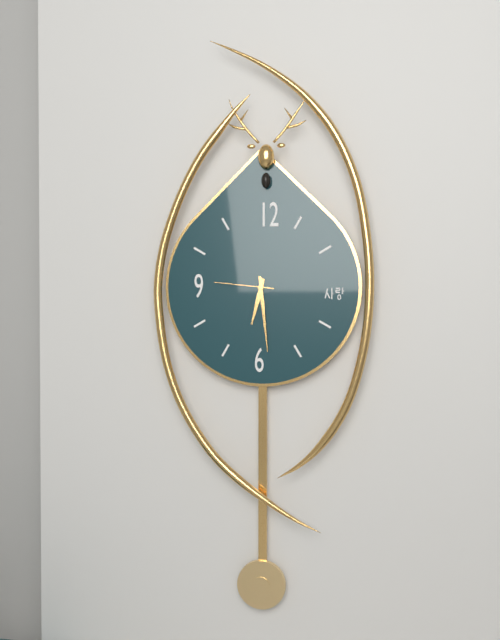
6:29:46
